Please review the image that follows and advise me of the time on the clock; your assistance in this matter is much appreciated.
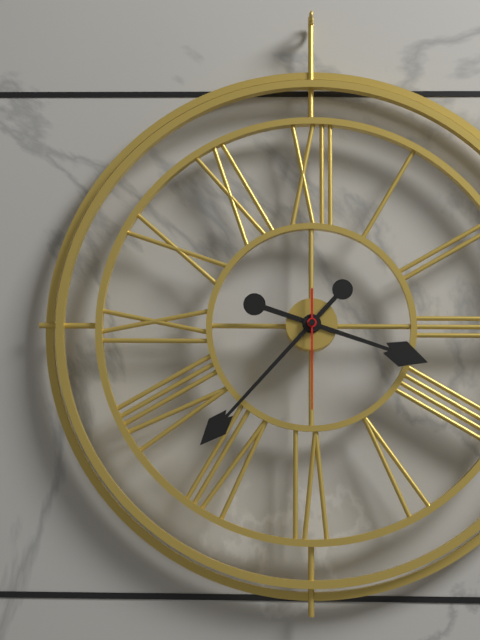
3:37:30
